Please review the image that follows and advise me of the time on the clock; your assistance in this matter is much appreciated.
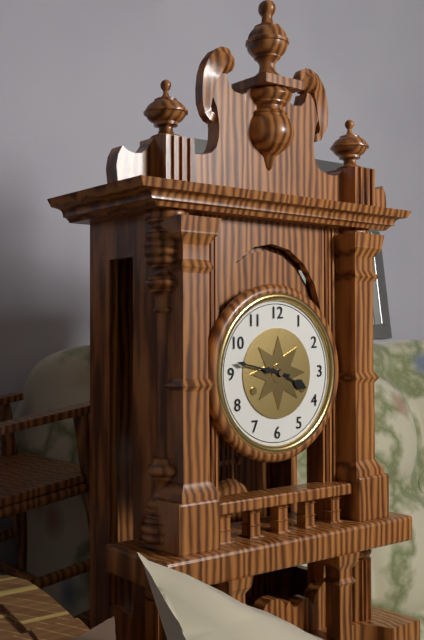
3:47
